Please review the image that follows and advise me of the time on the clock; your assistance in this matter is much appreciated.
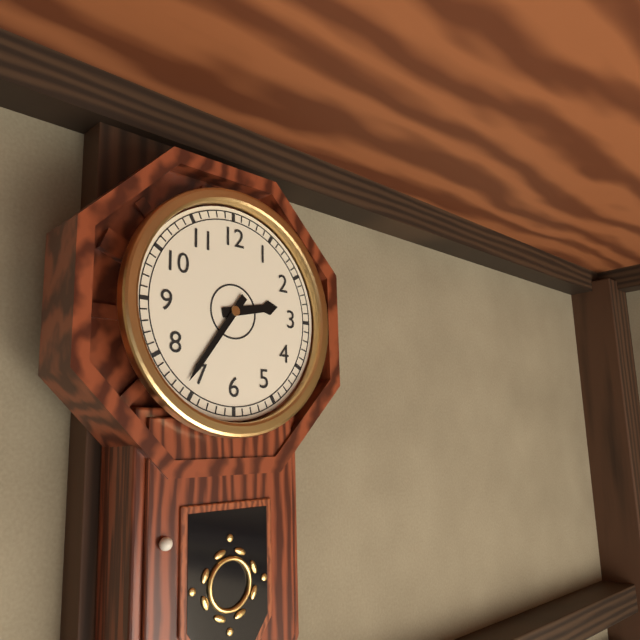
2:36
